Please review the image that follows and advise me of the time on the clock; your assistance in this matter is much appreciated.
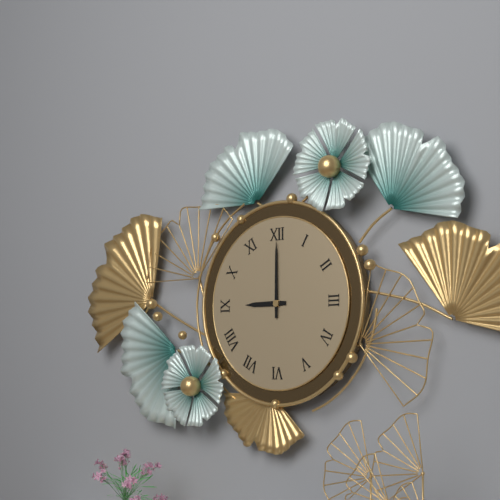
9:00
